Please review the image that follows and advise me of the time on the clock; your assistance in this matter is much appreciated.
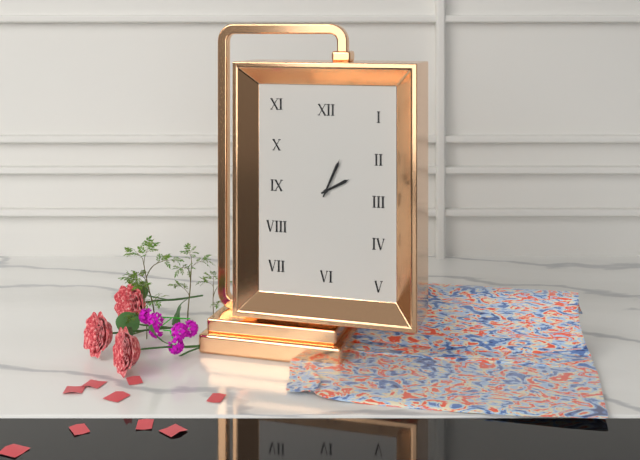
2:04
